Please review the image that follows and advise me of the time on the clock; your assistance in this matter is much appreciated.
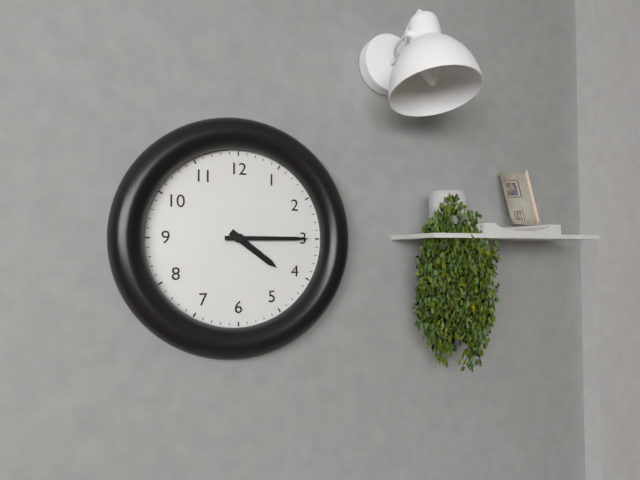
4:15
